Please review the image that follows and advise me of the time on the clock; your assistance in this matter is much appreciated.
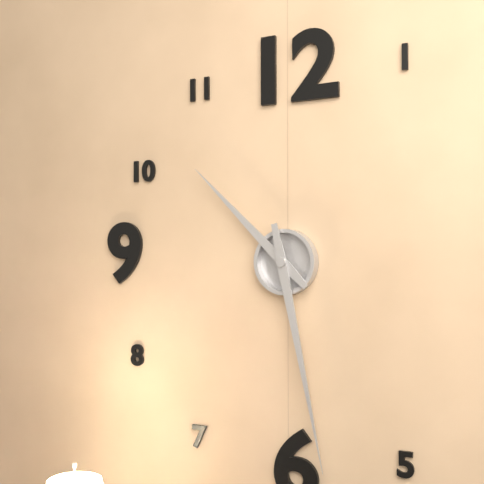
10:28
